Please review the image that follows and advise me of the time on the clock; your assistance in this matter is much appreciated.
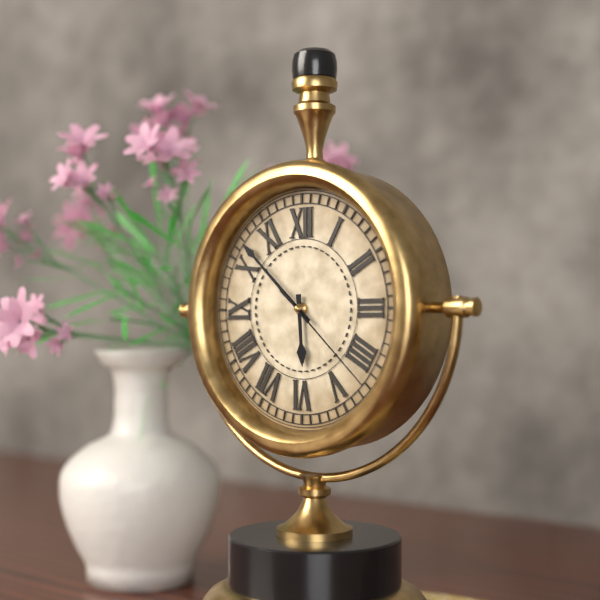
5:52:22
